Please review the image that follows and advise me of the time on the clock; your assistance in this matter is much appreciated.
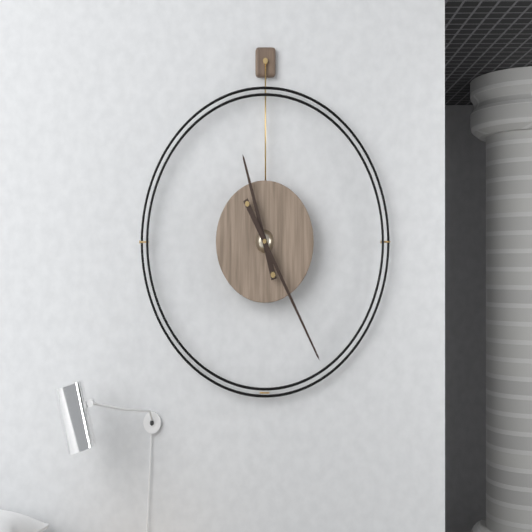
11:25
